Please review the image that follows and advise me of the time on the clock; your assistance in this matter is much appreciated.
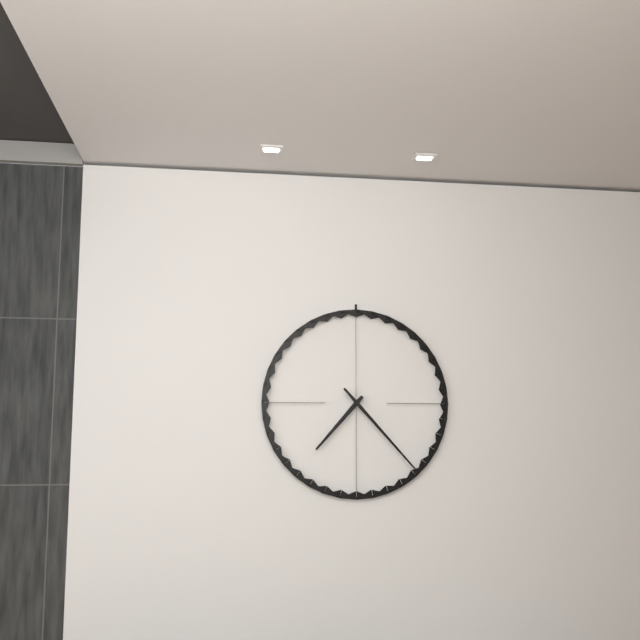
7:23
